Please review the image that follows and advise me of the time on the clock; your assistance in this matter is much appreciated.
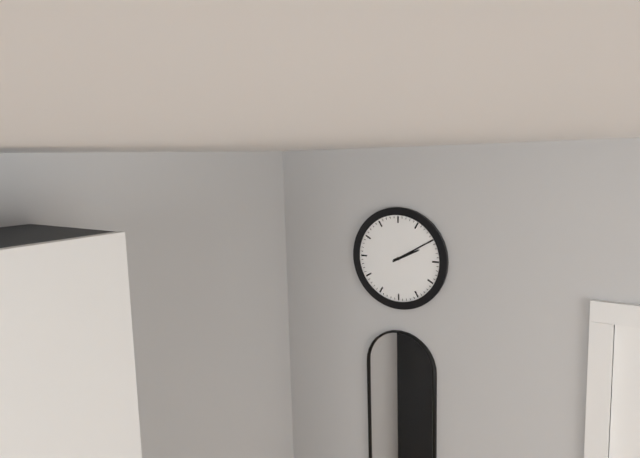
2:10
